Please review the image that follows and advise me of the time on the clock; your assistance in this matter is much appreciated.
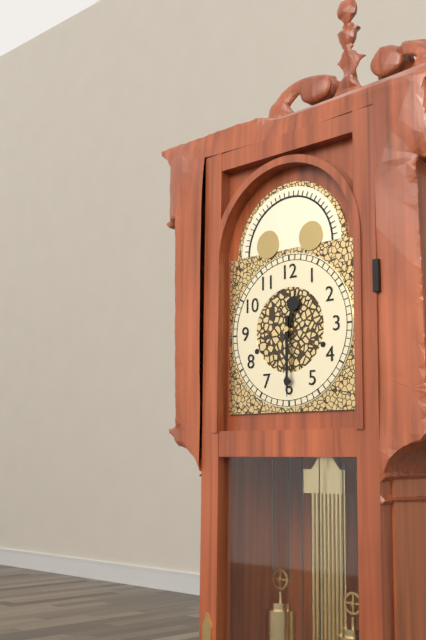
12:30
